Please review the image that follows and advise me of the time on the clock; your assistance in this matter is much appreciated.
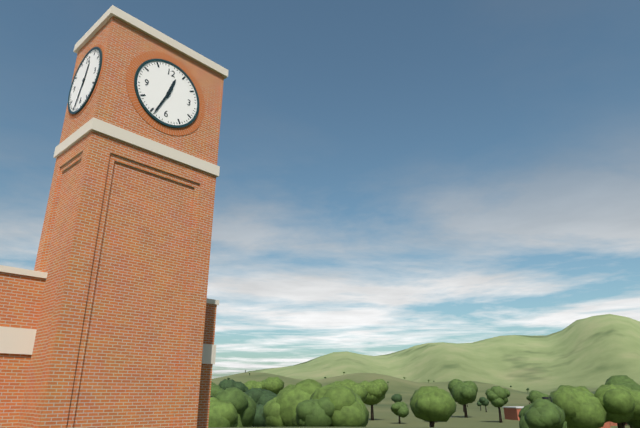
12:34
